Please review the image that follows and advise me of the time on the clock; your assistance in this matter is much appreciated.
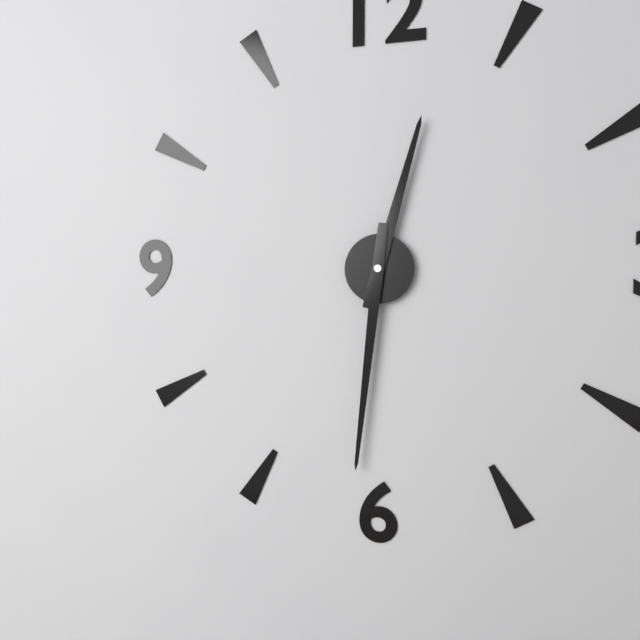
12:31
